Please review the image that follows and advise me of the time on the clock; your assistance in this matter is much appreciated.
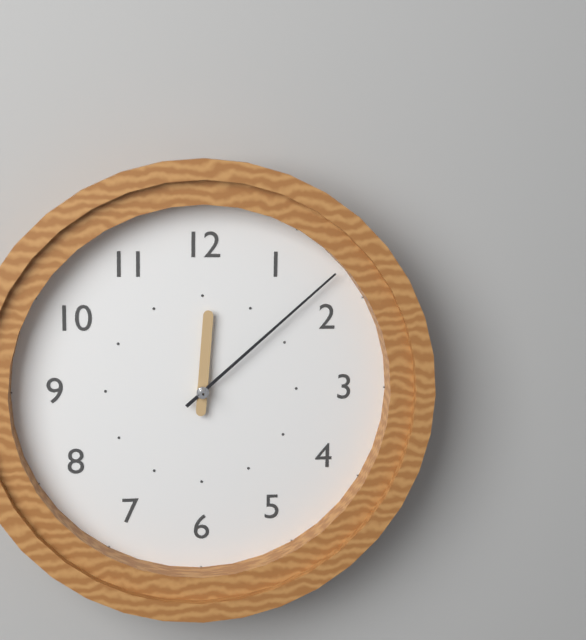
12:08
